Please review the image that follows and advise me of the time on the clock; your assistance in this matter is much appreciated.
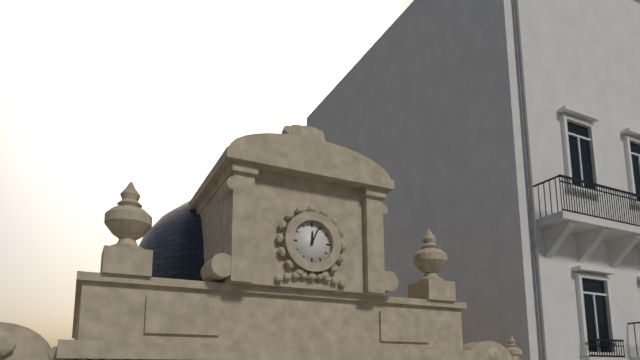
12:04
